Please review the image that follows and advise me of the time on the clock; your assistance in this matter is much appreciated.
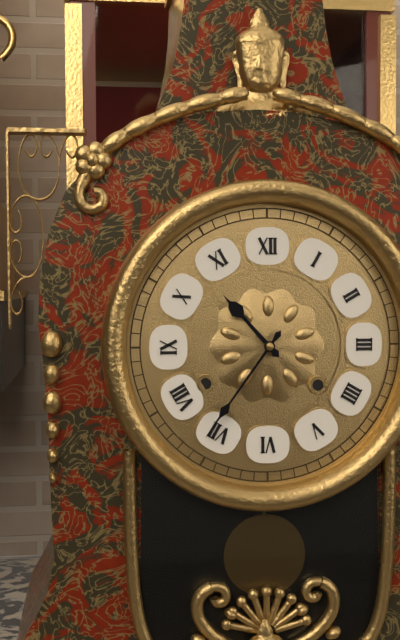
10:36
